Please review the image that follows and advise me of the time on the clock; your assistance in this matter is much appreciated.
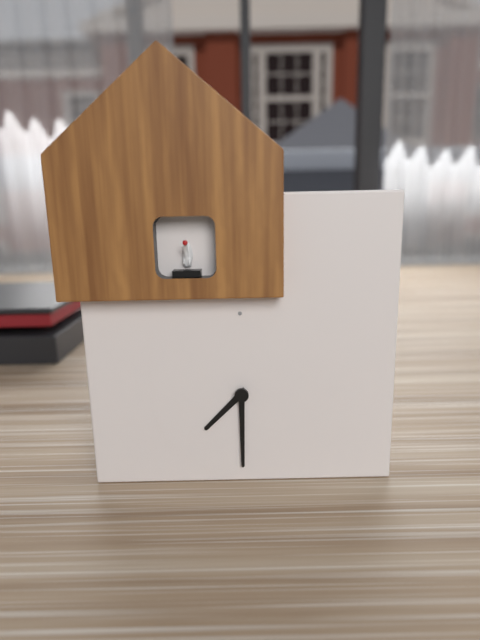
7:30
